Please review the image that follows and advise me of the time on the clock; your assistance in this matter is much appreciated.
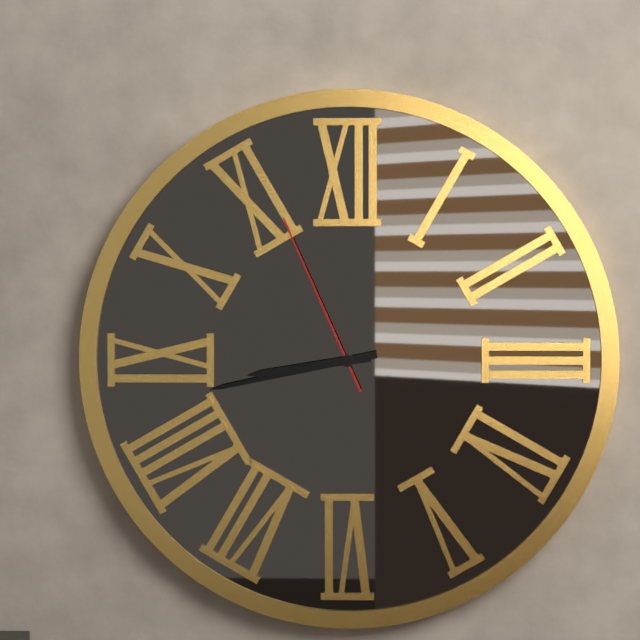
8:43:56
